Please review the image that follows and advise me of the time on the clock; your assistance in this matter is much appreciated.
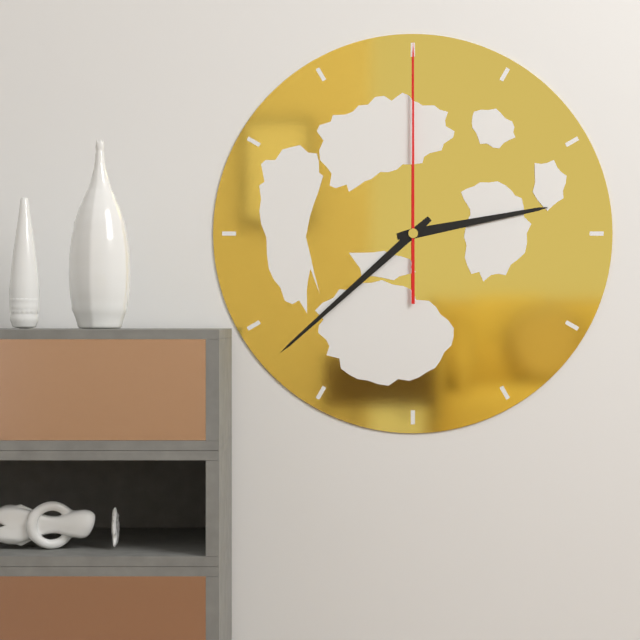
2:38:00
